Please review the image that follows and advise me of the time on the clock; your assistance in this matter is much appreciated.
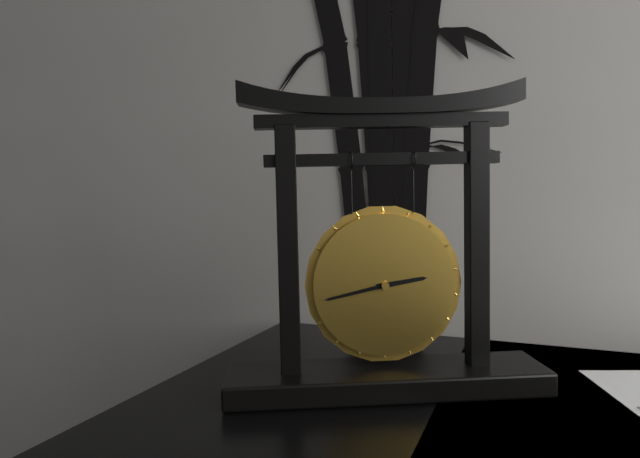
2:43
